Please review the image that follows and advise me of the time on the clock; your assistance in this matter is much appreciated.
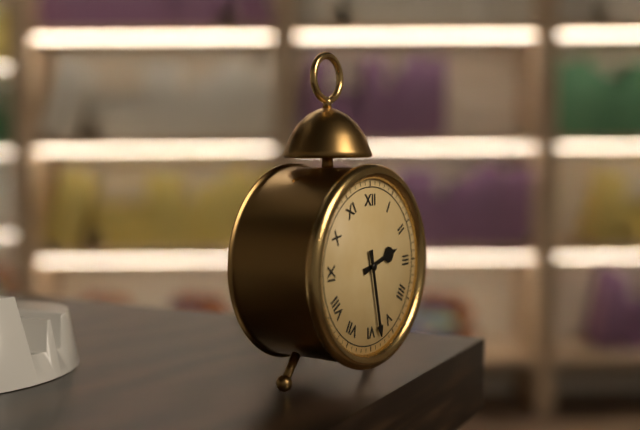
2:28
